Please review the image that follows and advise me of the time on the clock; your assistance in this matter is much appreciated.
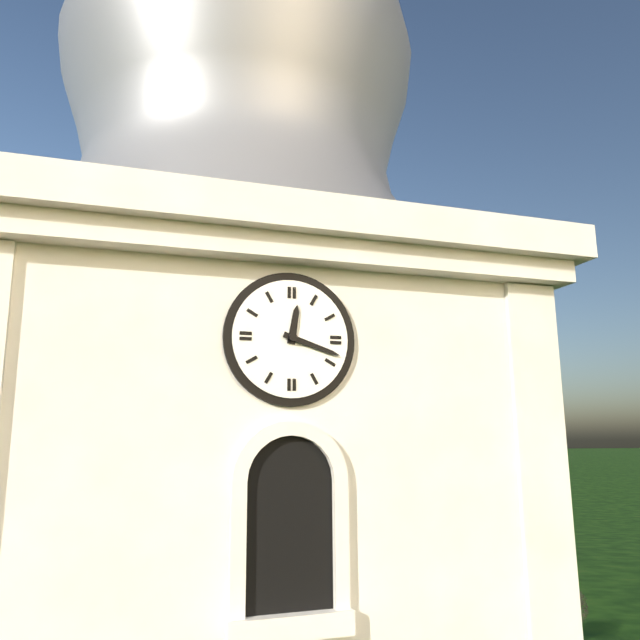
12:18
